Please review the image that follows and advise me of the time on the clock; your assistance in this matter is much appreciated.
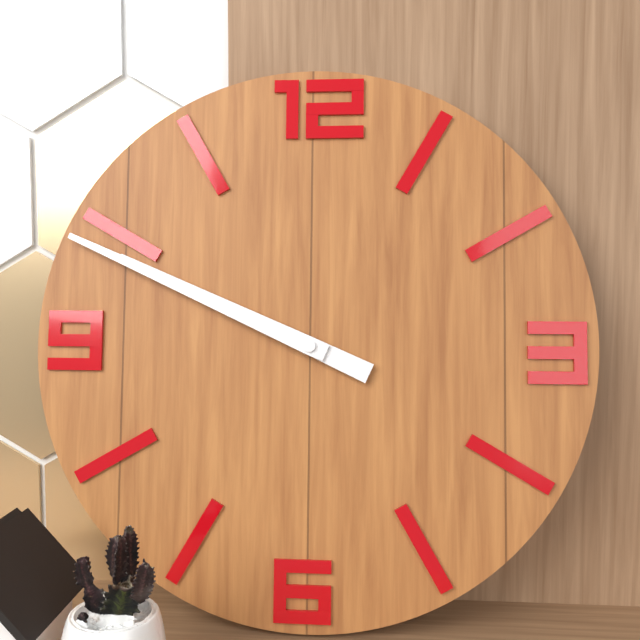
9:49
